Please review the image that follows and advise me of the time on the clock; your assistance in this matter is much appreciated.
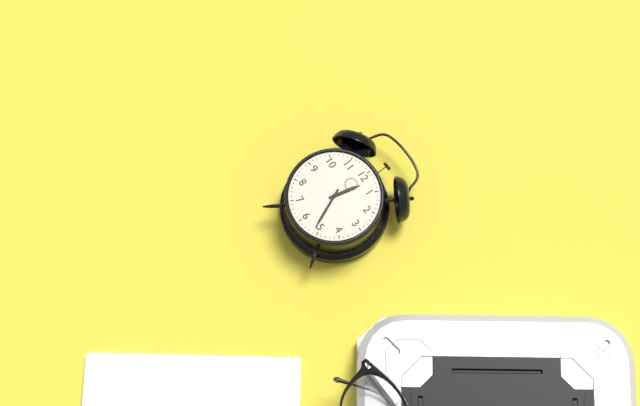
12:26
